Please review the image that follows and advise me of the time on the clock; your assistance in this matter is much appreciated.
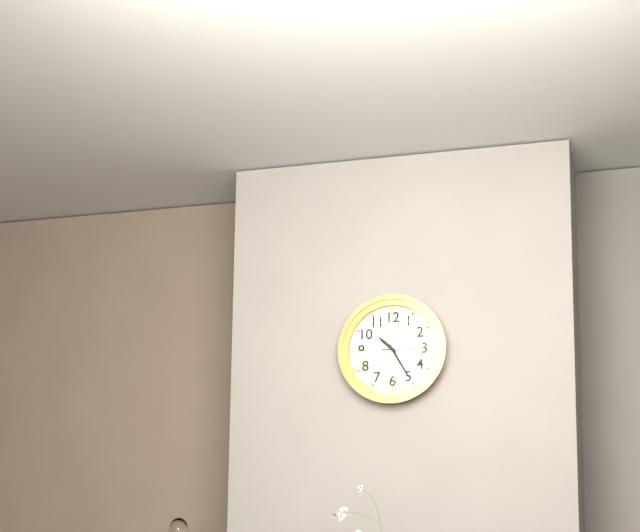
10:25
